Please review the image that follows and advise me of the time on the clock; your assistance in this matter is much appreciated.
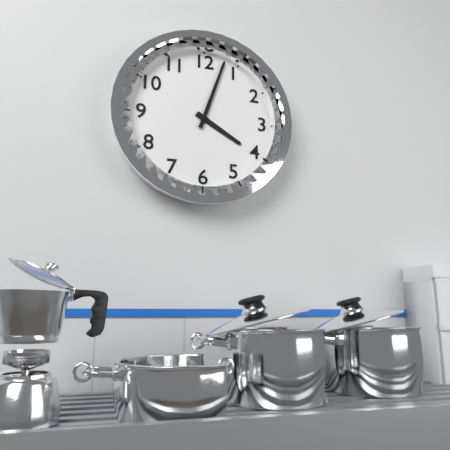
4:03
